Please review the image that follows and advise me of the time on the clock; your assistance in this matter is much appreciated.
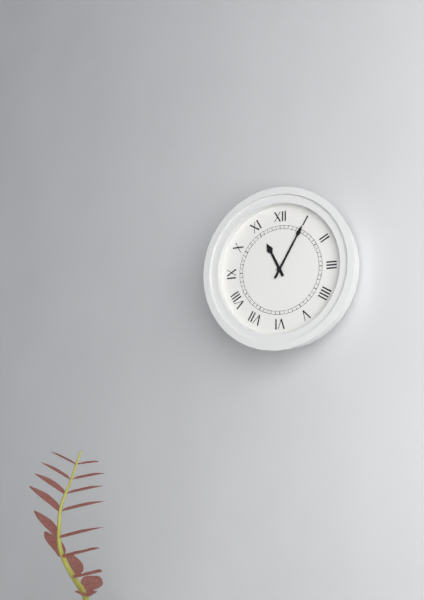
11:05
